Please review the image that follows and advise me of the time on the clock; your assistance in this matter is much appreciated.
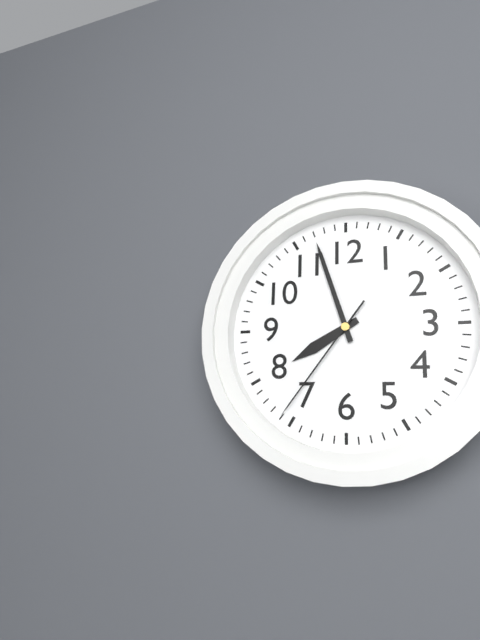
7:57:36
